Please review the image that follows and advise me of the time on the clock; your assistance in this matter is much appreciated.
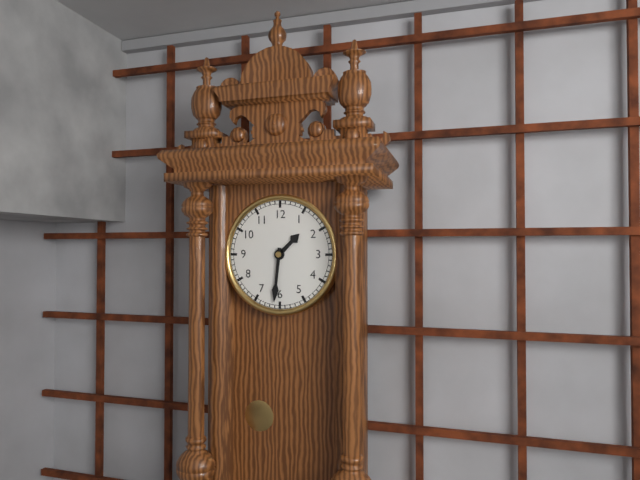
1:31
